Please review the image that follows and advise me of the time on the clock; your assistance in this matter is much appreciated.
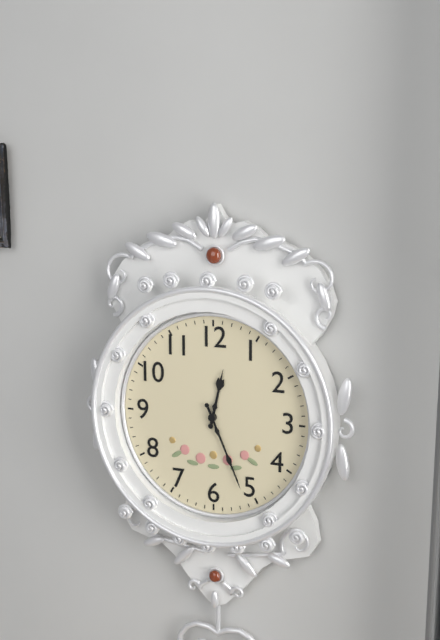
12:26
